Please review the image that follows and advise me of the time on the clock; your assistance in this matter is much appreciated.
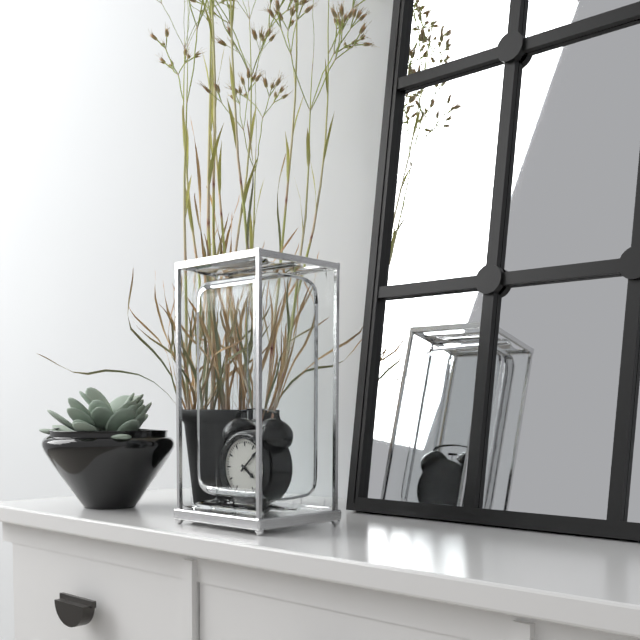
4:08
